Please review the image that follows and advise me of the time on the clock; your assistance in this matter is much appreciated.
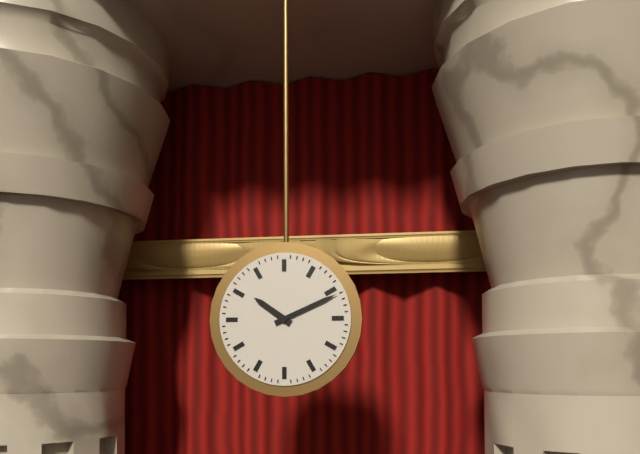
10:11
